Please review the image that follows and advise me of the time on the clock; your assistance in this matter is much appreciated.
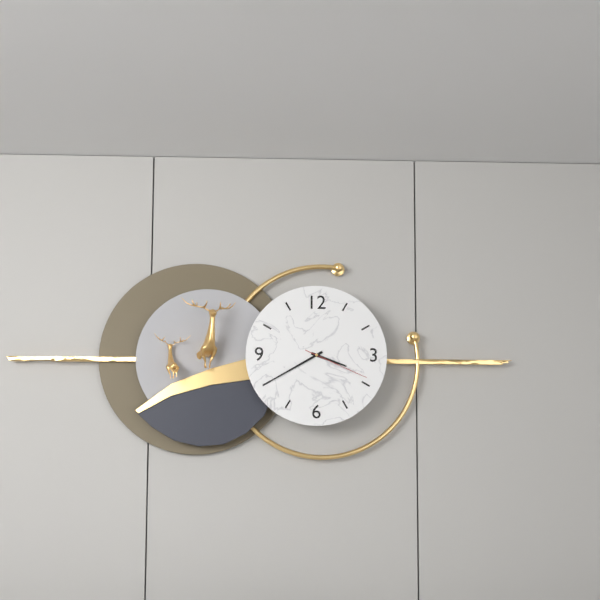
3:40:19
